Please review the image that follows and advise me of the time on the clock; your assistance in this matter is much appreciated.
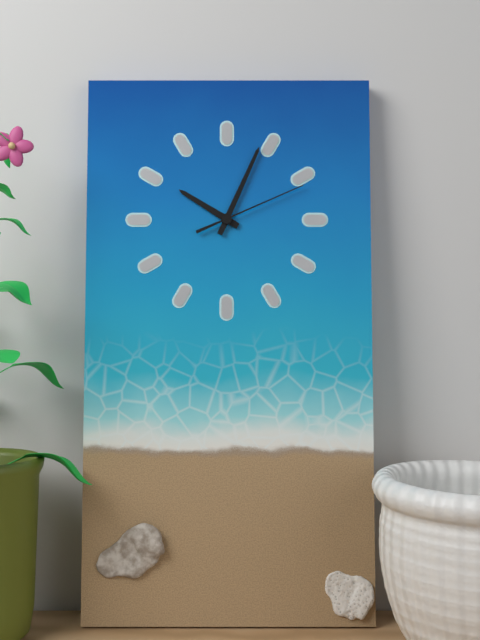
10:04:11
